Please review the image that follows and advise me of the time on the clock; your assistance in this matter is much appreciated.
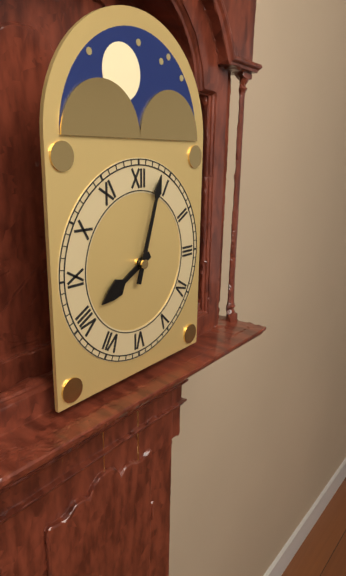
8:03
